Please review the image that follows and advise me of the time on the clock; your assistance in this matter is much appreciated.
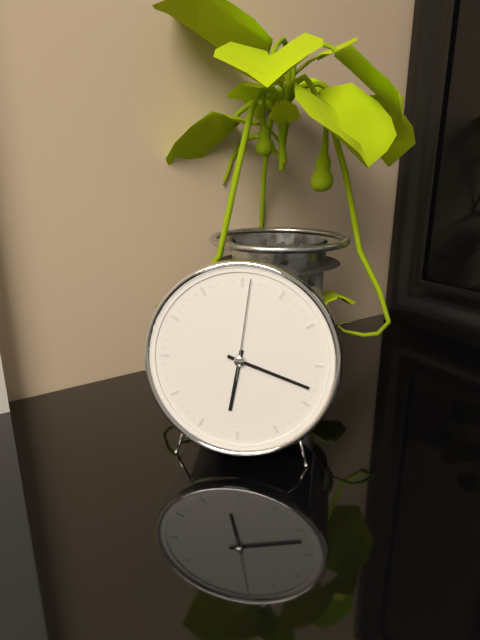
6:18:01
